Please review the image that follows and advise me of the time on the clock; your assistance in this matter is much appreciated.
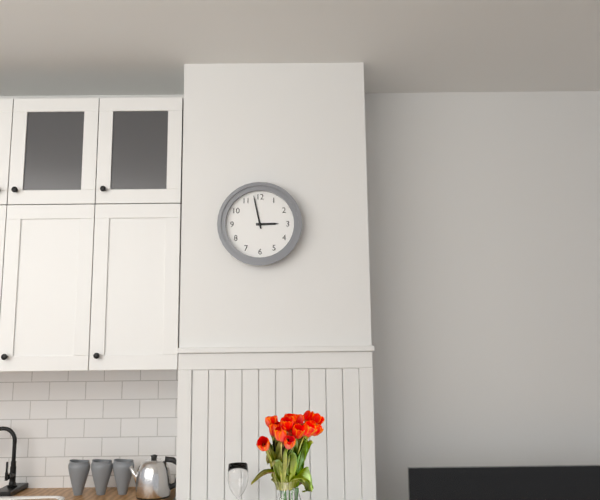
2:58
